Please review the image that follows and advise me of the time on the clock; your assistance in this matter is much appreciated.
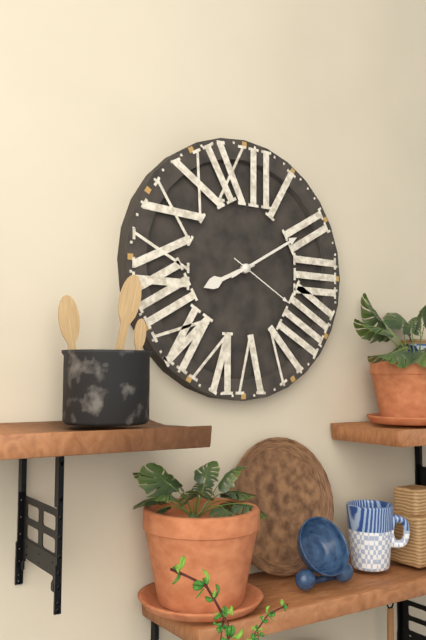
8:10:20
